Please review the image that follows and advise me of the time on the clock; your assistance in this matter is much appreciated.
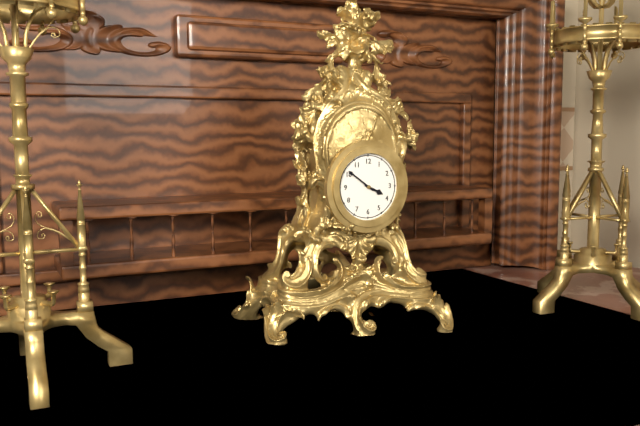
3:51
